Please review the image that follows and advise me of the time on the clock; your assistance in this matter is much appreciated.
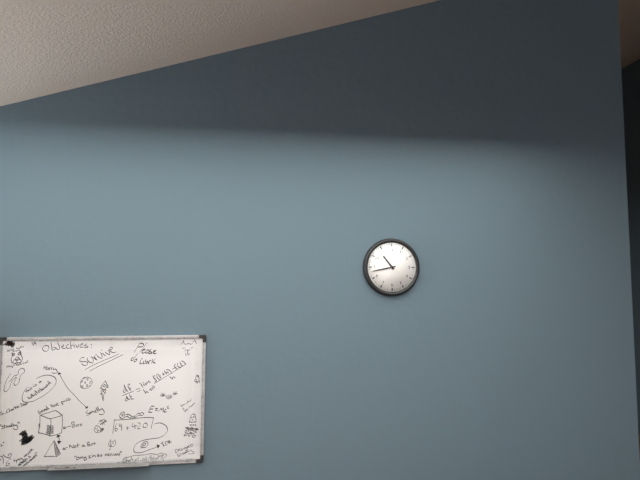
10:43
